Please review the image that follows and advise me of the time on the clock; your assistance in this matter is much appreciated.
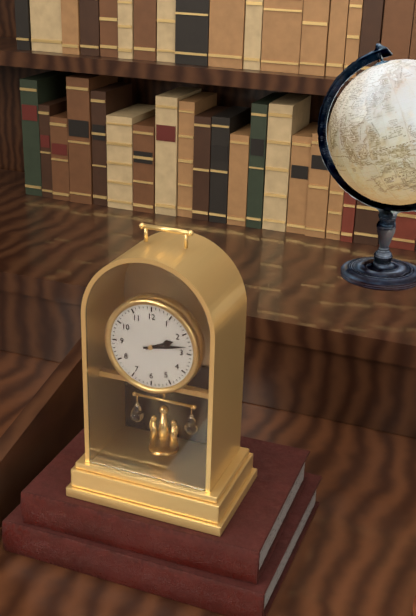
2:13
